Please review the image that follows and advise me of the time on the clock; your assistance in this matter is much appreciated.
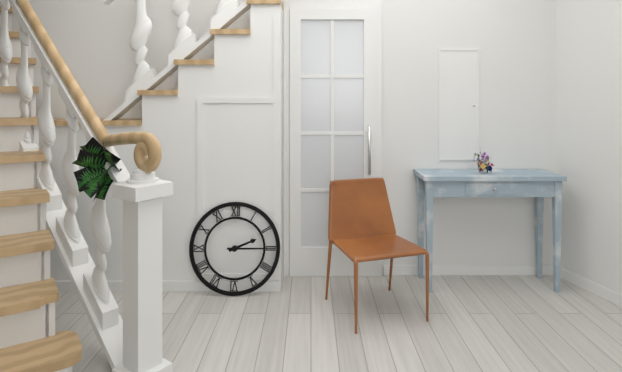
2:15
